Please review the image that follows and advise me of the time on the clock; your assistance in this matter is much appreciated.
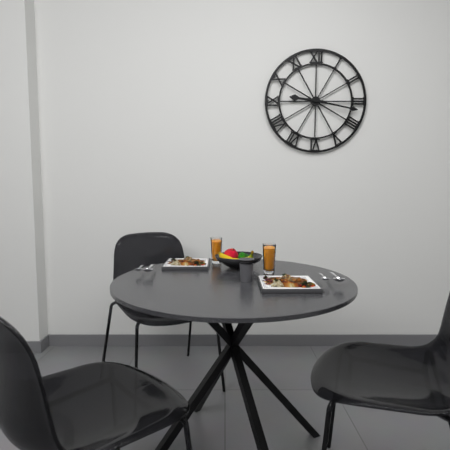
9:17
